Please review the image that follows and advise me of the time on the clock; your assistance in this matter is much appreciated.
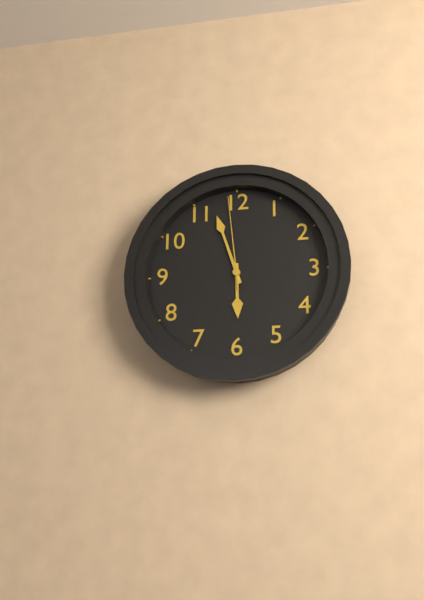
5:57:59
